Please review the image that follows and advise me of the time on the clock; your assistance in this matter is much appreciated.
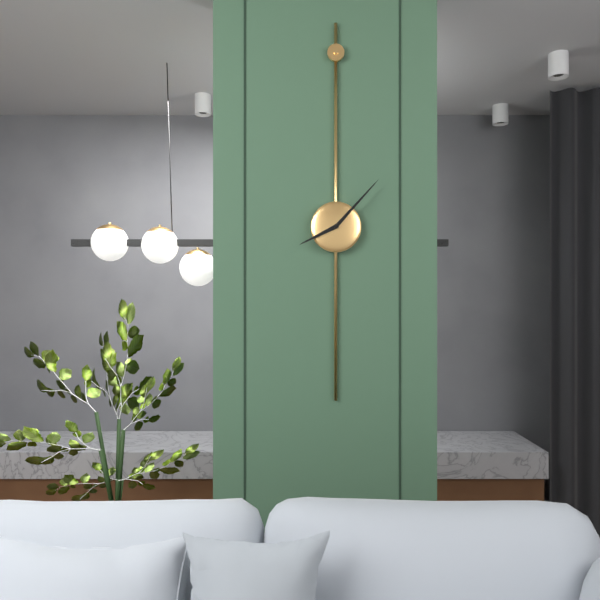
8:07
